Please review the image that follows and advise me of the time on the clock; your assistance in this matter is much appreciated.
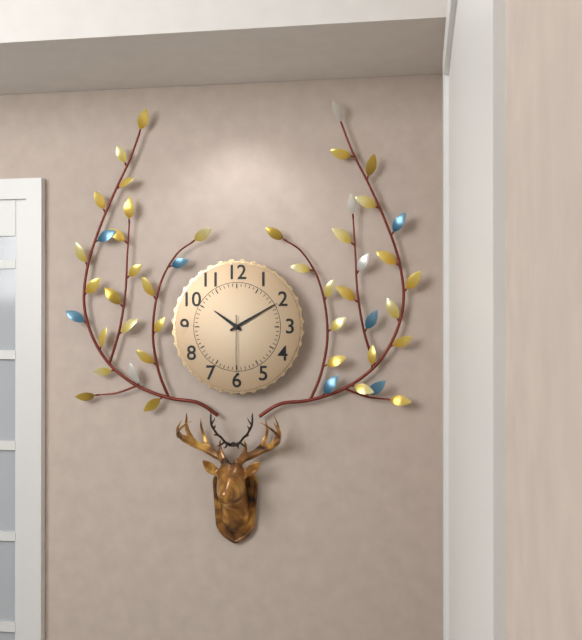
10:10:30
